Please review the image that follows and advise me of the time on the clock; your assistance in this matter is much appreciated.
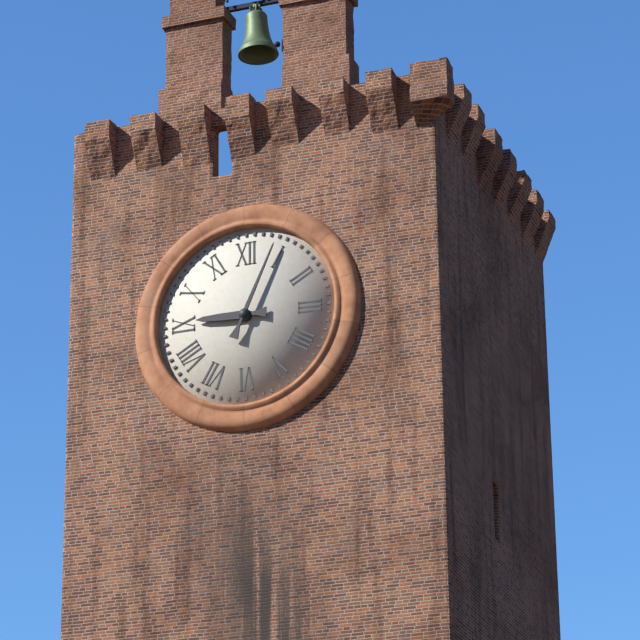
9:04
